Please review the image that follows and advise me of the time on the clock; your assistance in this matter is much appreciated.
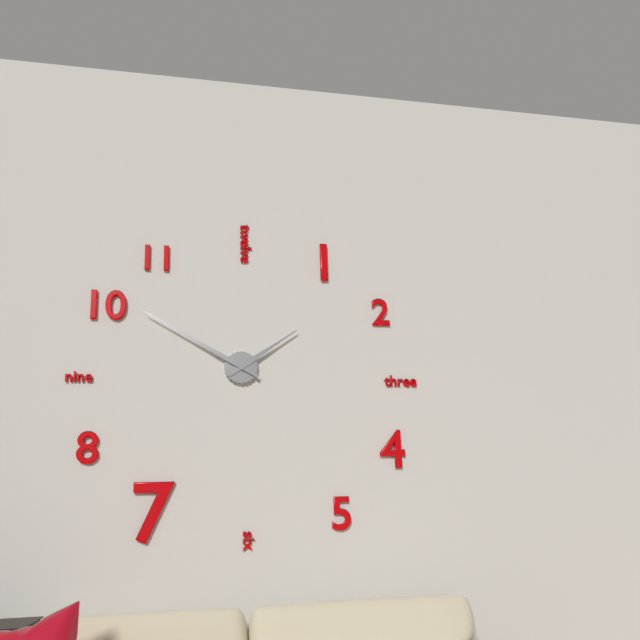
1:50
